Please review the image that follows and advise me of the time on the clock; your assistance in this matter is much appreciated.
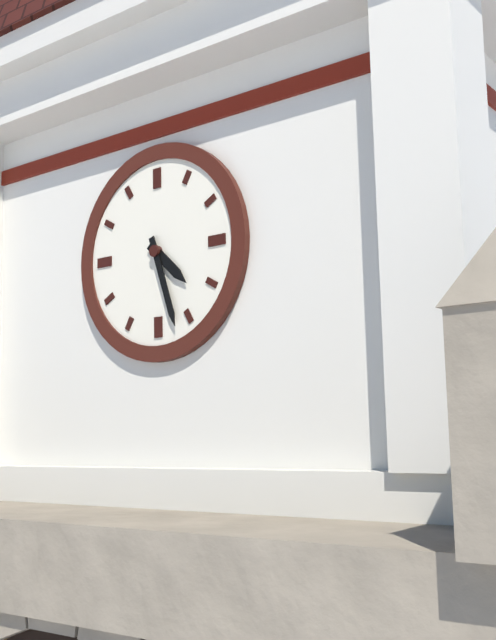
4:27
